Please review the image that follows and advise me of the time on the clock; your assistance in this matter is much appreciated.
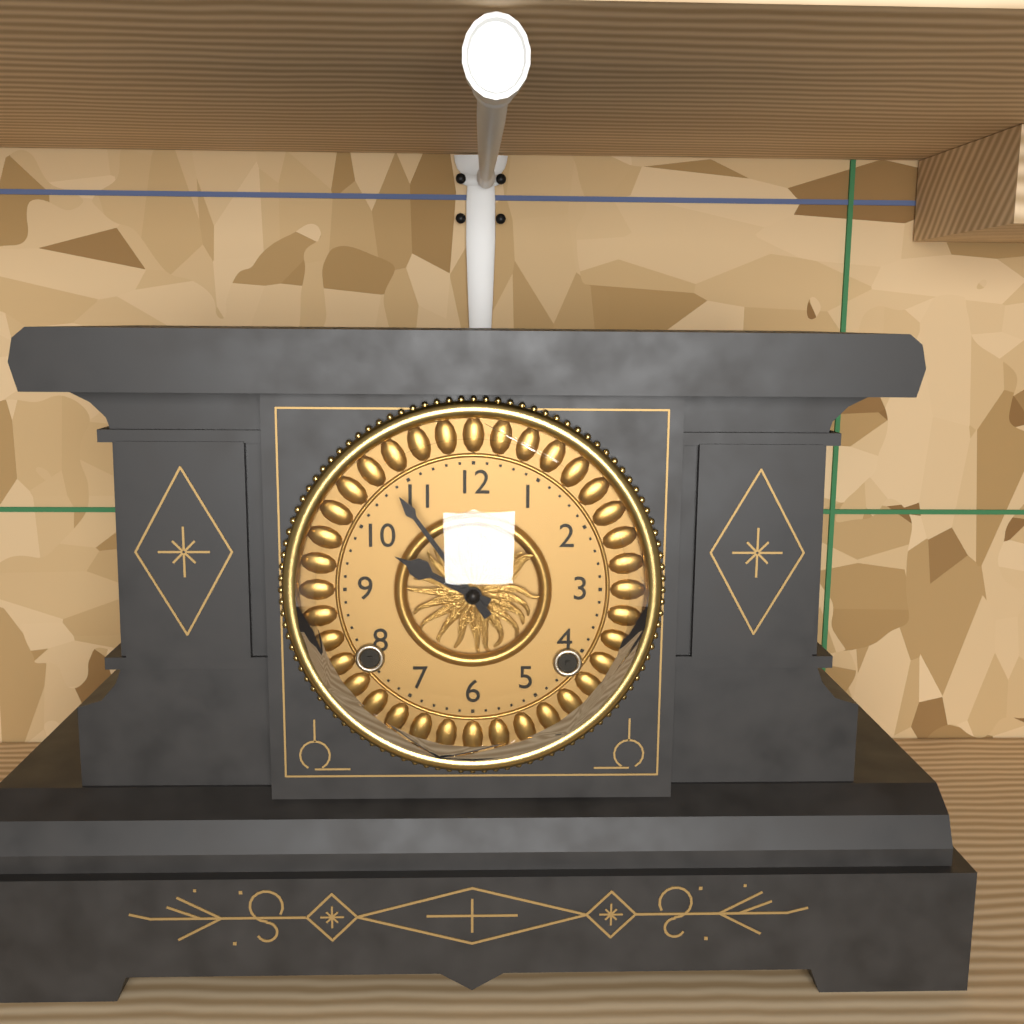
9:54
